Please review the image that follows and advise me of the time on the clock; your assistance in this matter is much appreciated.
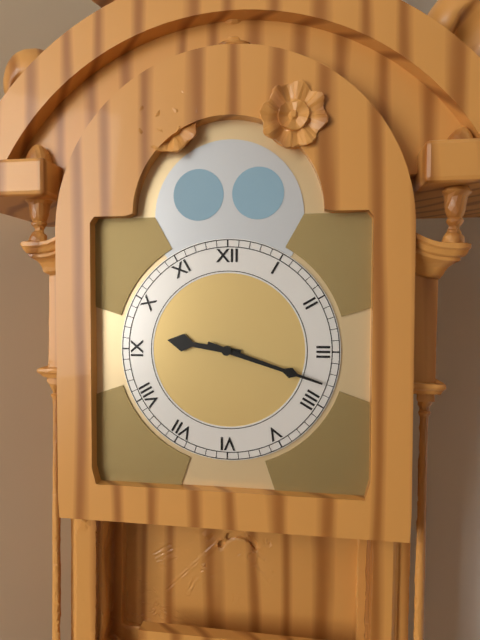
9:18
